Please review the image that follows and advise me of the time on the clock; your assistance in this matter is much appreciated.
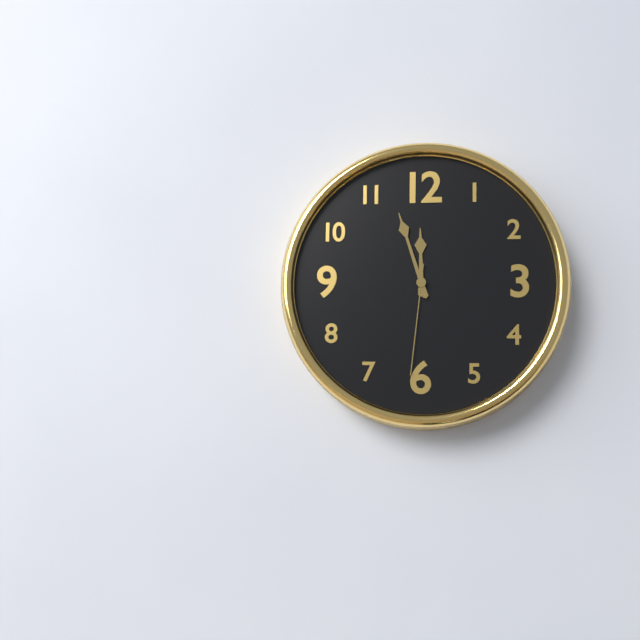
11:57:31
